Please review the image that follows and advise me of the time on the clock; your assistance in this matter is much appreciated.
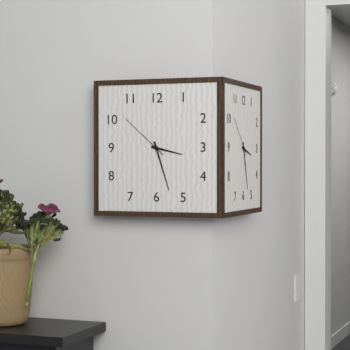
3:27:52
